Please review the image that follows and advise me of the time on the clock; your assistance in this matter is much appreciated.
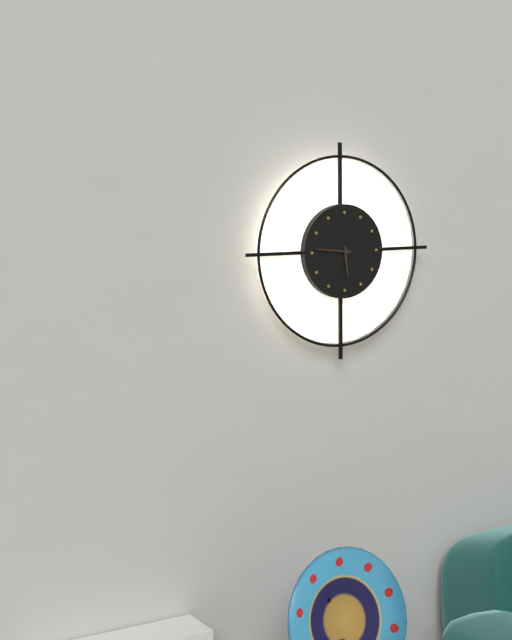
5:46
